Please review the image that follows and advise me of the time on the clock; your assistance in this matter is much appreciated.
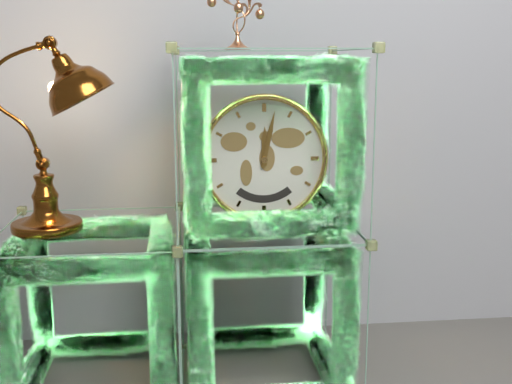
12:02
